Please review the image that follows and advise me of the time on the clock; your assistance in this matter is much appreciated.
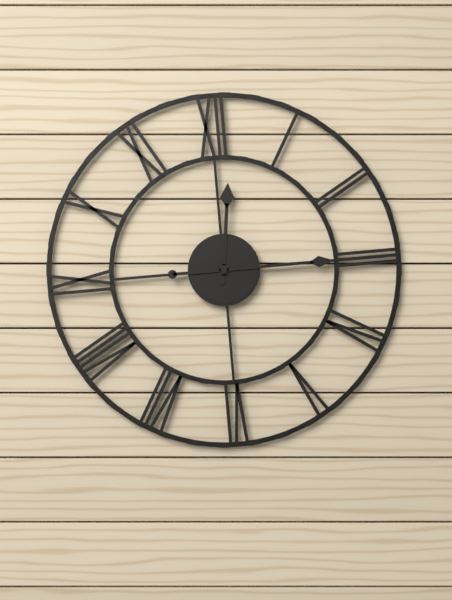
12:15
